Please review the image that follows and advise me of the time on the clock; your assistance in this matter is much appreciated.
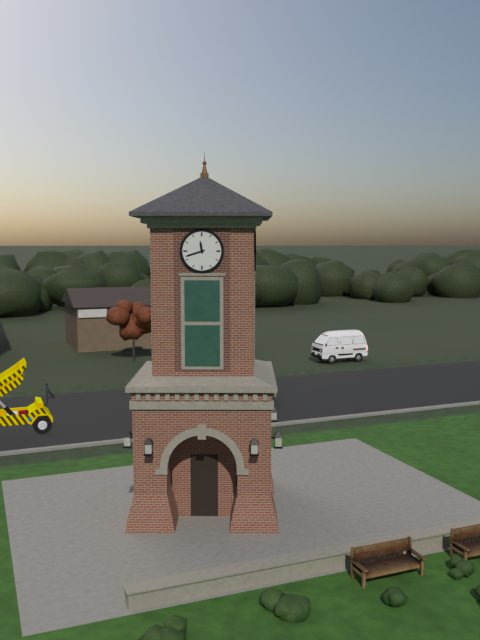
11:42
